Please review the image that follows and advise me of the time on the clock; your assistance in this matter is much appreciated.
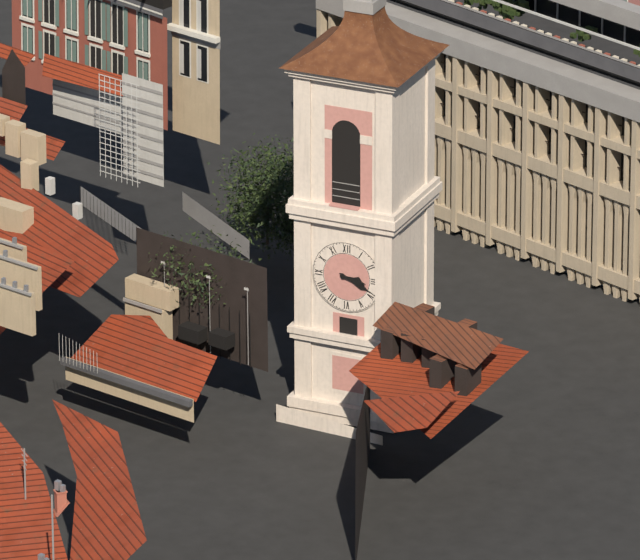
3:19
